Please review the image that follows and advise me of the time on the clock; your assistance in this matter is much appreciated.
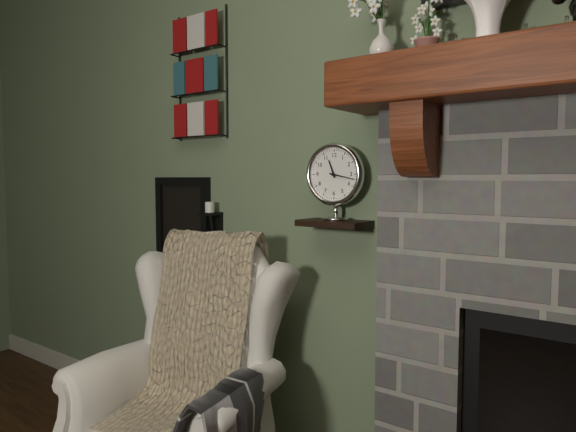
11:17
